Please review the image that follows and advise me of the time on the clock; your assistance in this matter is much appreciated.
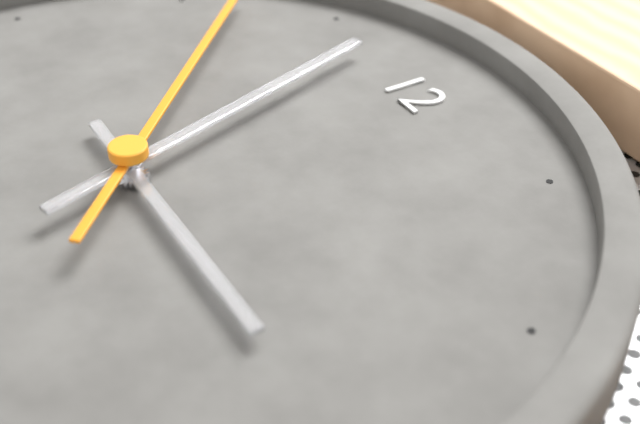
2:57
